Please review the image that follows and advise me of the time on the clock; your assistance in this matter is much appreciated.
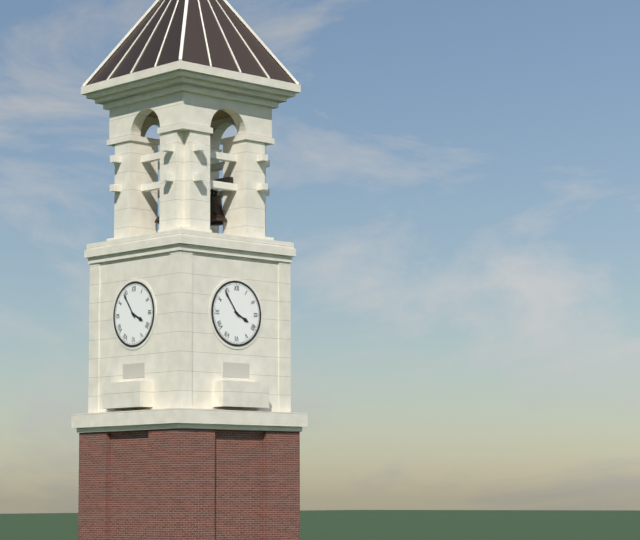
3:54
